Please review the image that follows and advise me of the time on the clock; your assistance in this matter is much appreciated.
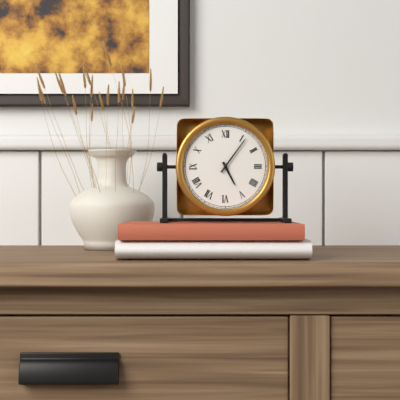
5:06
